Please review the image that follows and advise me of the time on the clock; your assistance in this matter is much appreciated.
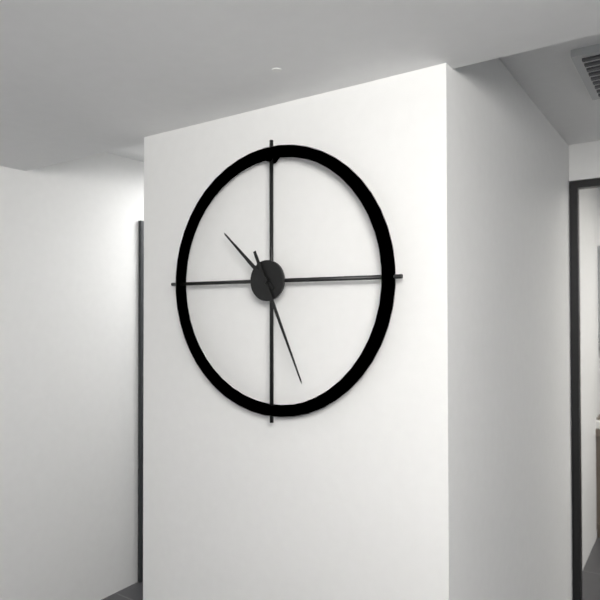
10:26
